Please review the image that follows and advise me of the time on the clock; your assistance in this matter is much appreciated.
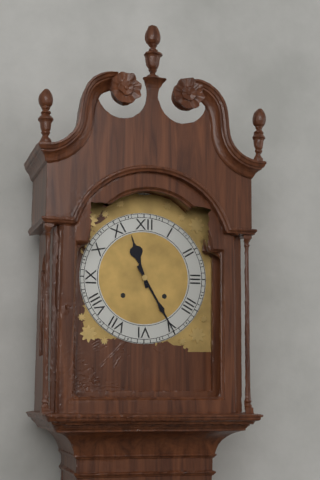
11:25
